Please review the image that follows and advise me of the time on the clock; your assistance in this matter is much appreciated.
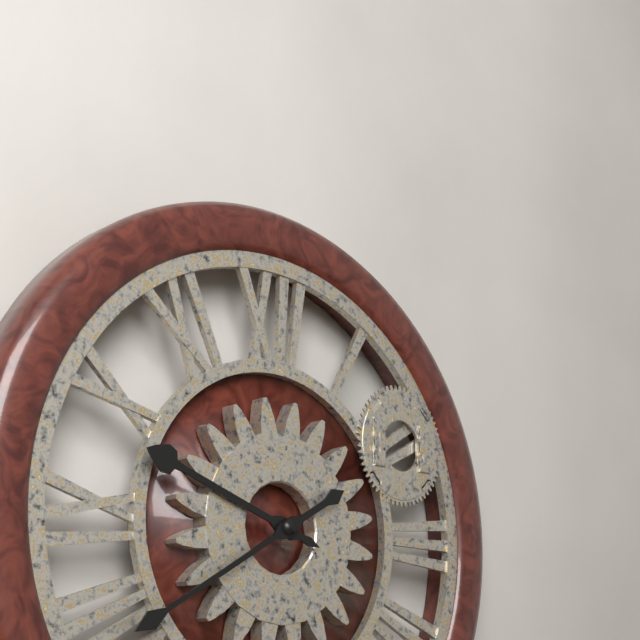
9:40
